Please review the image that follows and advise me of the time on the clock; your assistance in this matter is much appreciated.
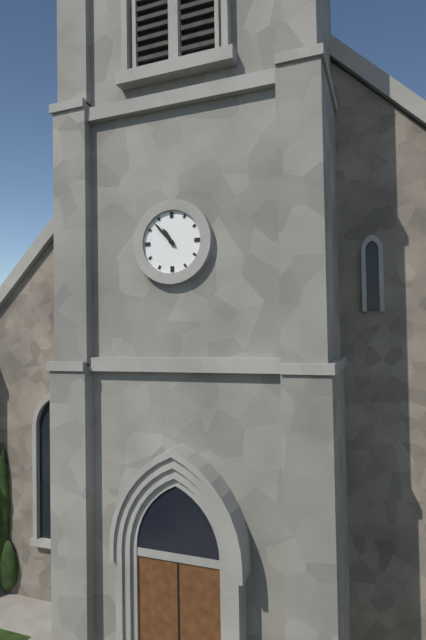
10:53
